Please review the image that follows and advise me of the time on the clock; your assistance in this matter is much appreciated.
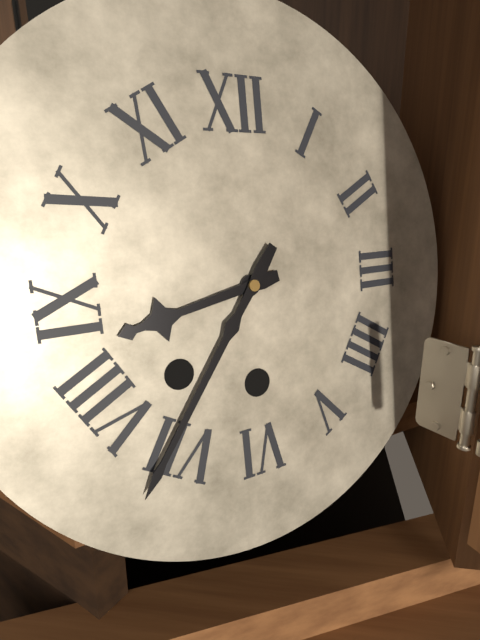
8:36
